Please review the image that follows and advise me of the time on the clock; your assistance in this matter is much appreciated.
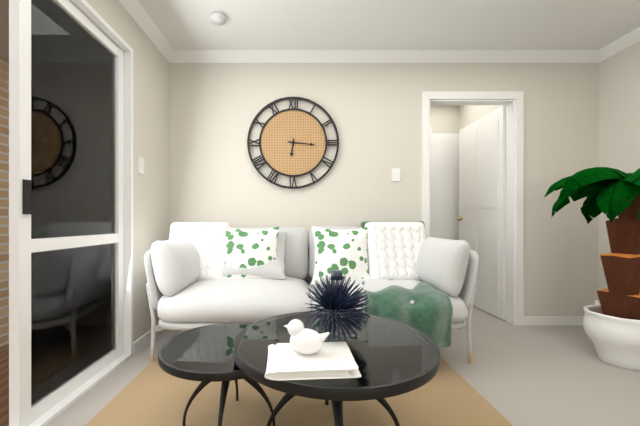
6:16
